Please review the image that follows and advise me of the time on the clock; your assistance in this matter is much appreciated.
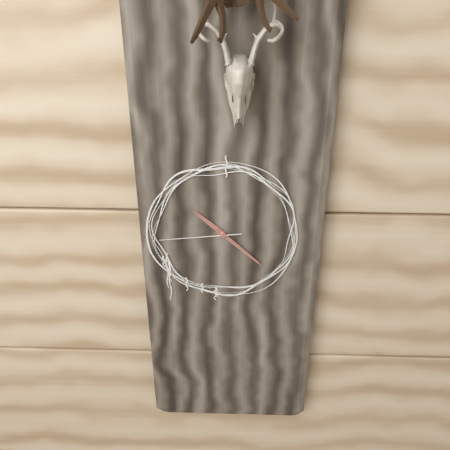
10:22:44
